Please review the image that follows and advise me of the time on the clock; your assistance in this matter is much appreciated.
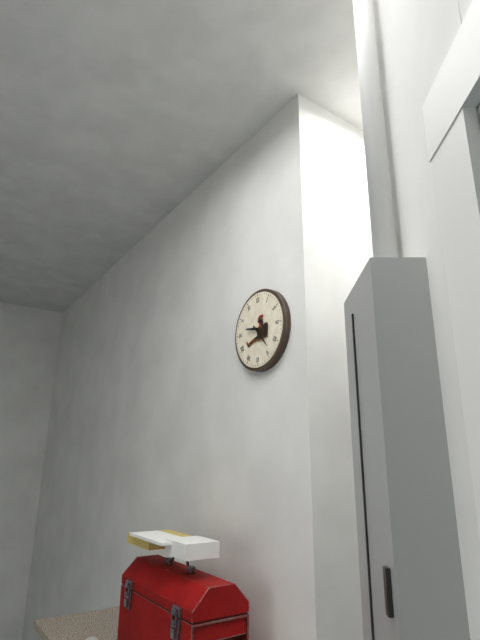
9:23
